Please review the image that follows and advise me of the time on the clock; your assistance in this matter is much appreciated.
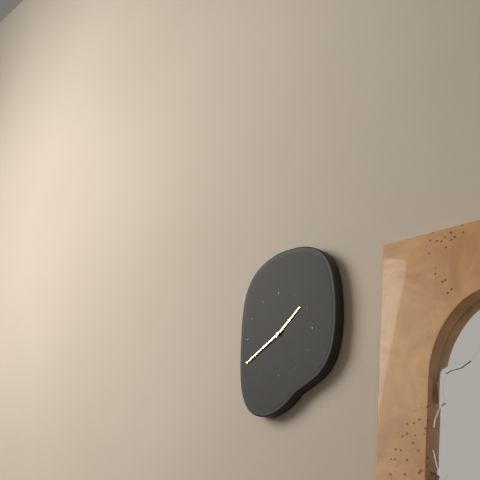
1:40
